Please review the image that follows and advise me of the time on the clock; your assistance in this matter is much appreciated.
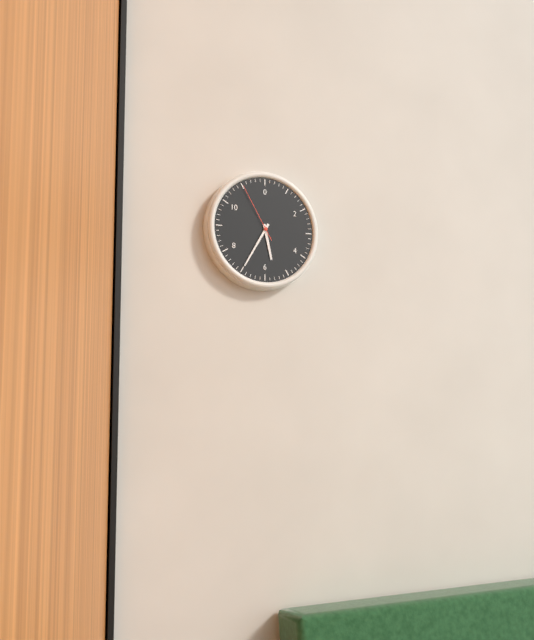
5:35:55
